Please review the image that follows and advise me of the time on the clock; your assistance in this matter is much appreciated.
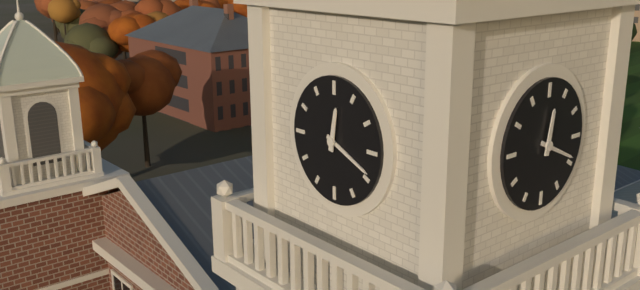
12:19
